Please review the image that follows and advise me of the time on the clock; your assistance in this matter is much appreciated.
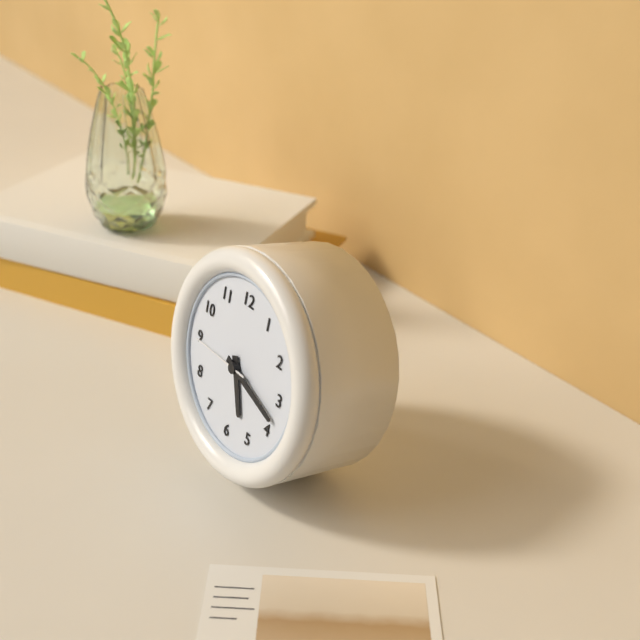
5:18:45
